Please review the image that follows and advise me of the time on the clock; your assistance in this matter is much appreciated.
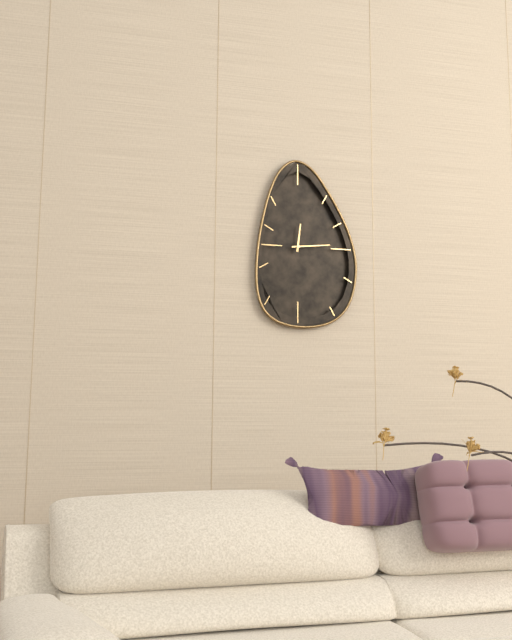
12:14
